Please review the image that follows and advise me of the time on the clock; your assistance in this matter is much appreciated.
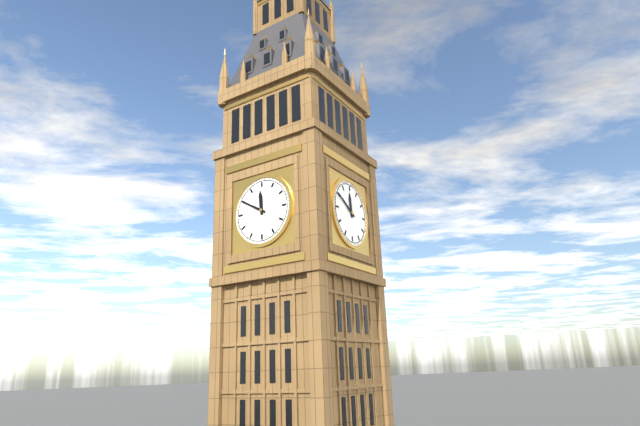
11:50
